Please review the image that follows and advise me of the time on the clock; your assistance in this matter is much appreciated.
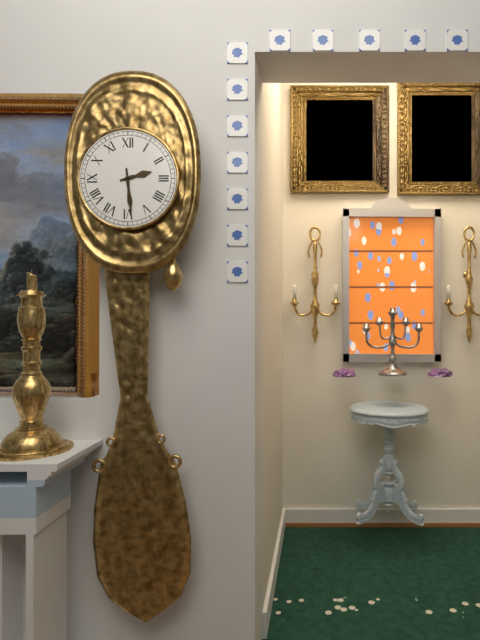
2:29
